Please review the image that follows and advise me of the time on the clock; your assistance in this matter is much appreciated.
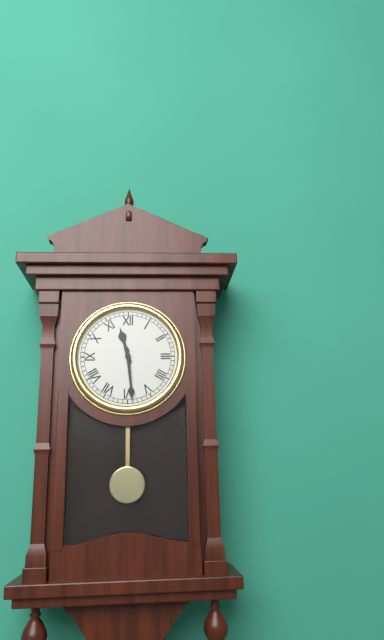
11:29
